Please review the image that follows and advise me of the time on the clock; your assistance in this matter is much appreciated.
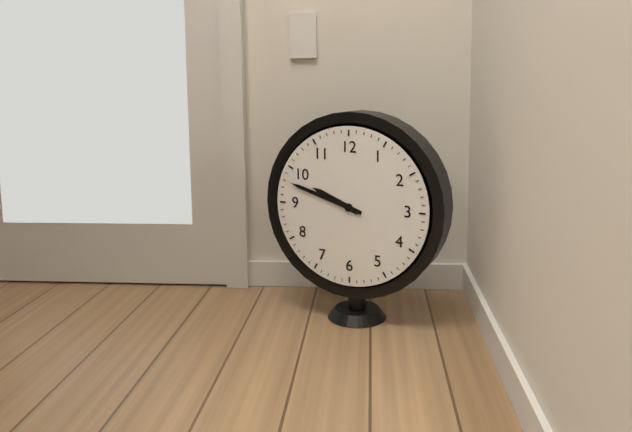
9:48
